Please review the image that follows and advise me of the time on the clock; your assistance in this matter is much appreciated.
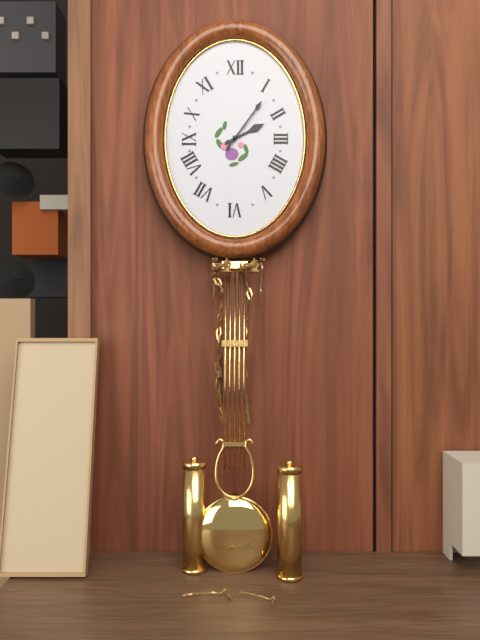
2:06
